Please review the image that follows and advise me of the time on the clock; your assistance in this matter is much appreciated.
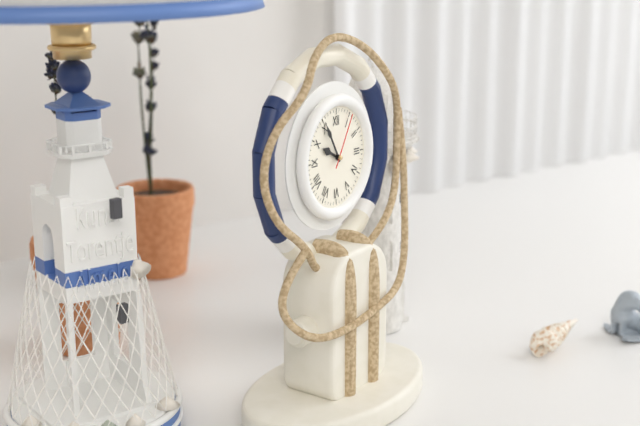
9:55:05
